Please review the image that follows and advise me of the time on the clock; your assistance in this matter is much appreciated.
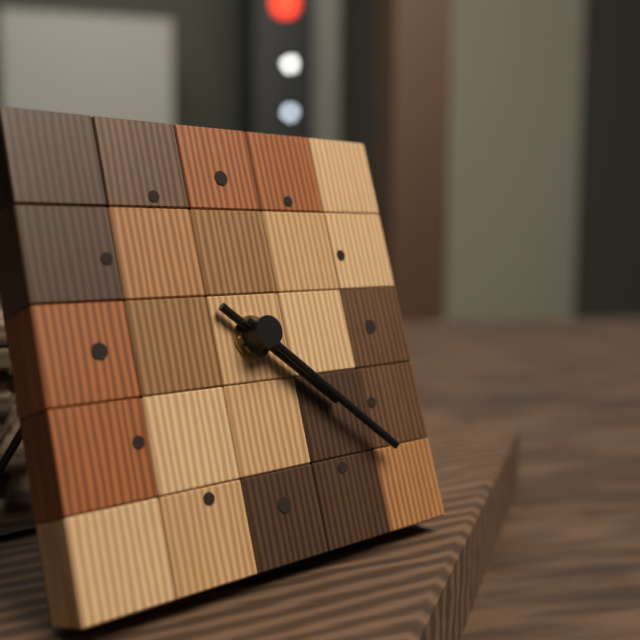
4:22
